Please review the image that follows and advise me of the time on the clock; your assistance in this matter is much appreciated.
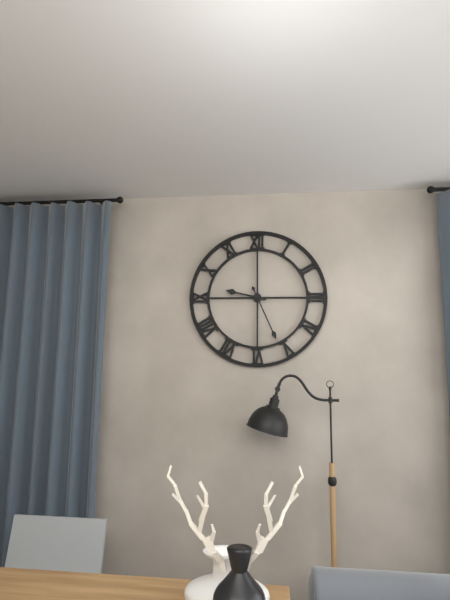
9:26
